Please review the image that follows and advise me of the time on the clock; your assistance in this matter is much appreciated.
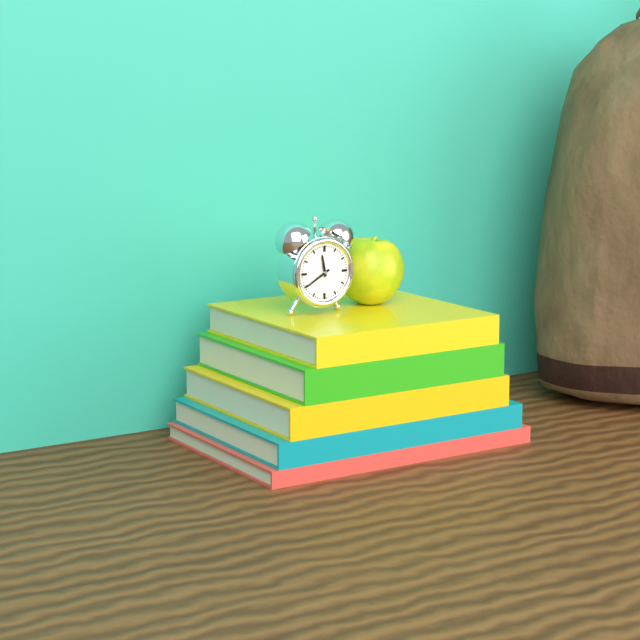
11:40
